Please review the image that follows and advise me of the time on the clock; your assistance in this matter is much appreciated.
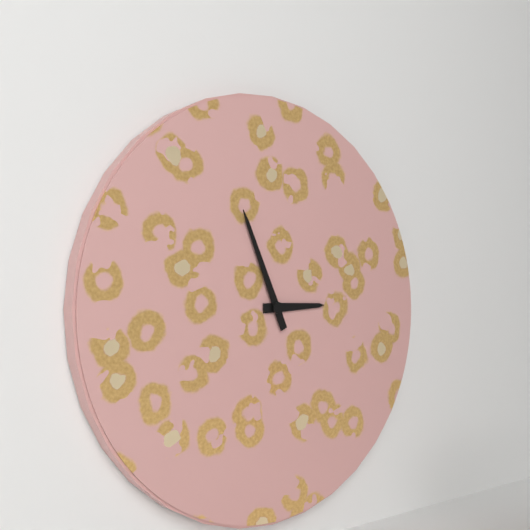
2:56
